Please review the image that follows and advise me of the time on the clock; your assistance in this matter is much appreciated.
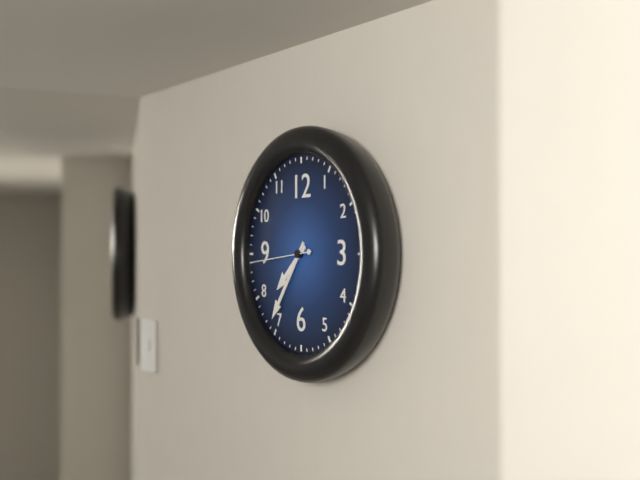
7:36:44
